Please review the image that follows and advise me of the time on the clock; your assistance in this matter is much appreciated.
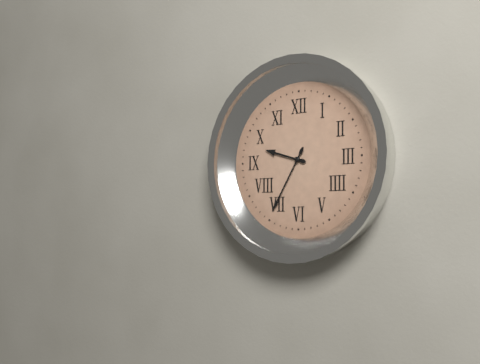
9:35
